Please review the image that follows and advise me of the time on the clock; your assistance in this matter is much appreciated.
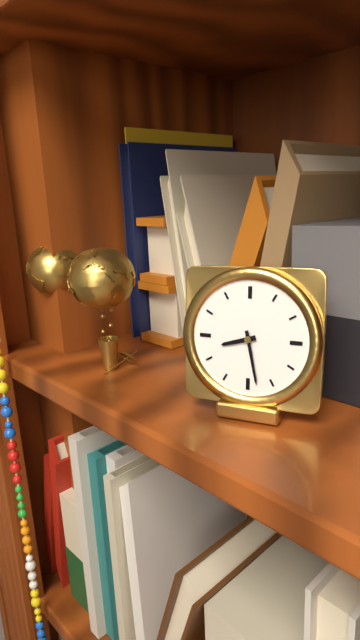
8:28
